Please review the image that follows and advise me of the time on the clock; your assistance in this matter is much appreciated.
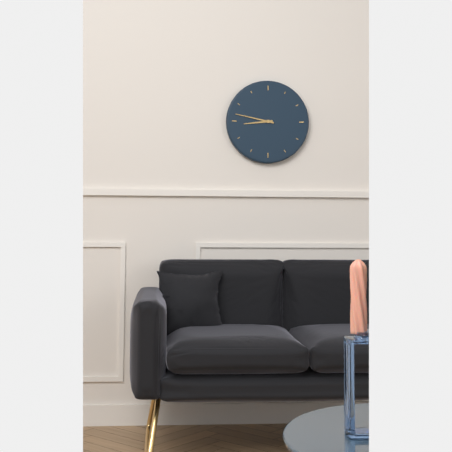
8:47
